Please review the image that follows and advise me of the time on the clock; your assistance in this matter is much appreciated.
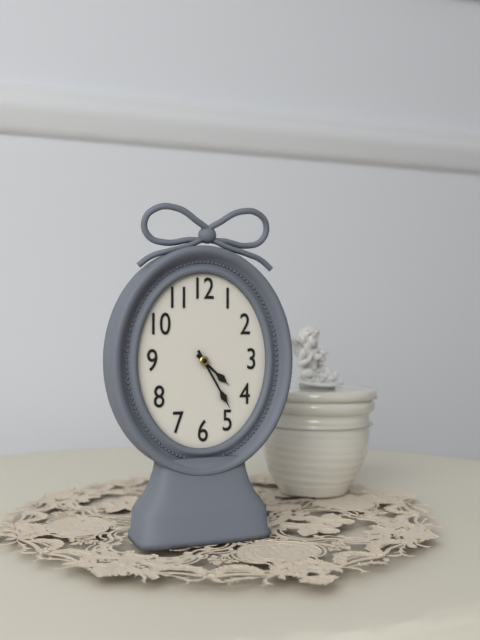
4:25
